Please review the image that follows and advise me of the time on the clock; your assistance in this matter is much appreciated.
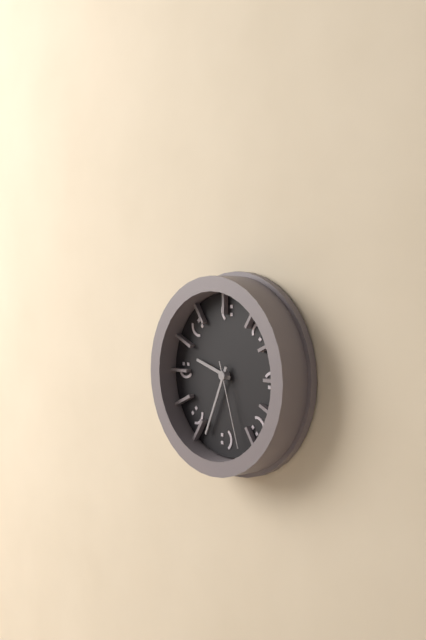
9:34:27
